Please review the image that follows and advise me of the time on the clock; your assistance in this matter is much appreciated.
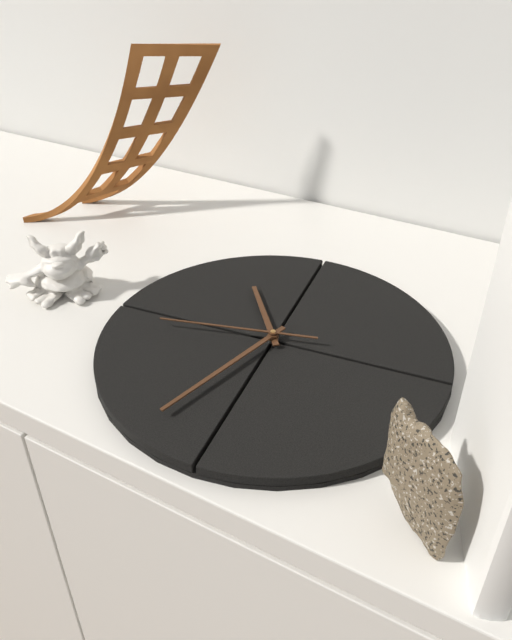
11:37:47
